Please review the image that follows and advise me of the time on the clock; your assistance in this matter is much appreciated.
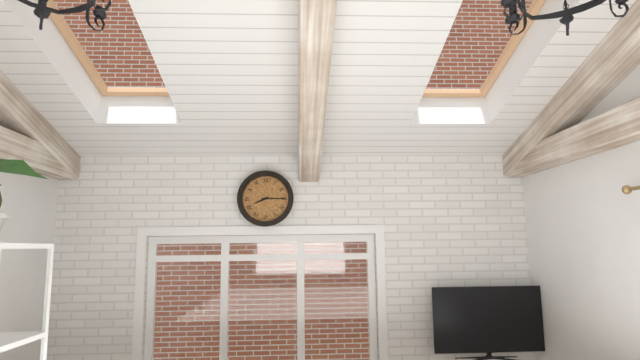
8:15
